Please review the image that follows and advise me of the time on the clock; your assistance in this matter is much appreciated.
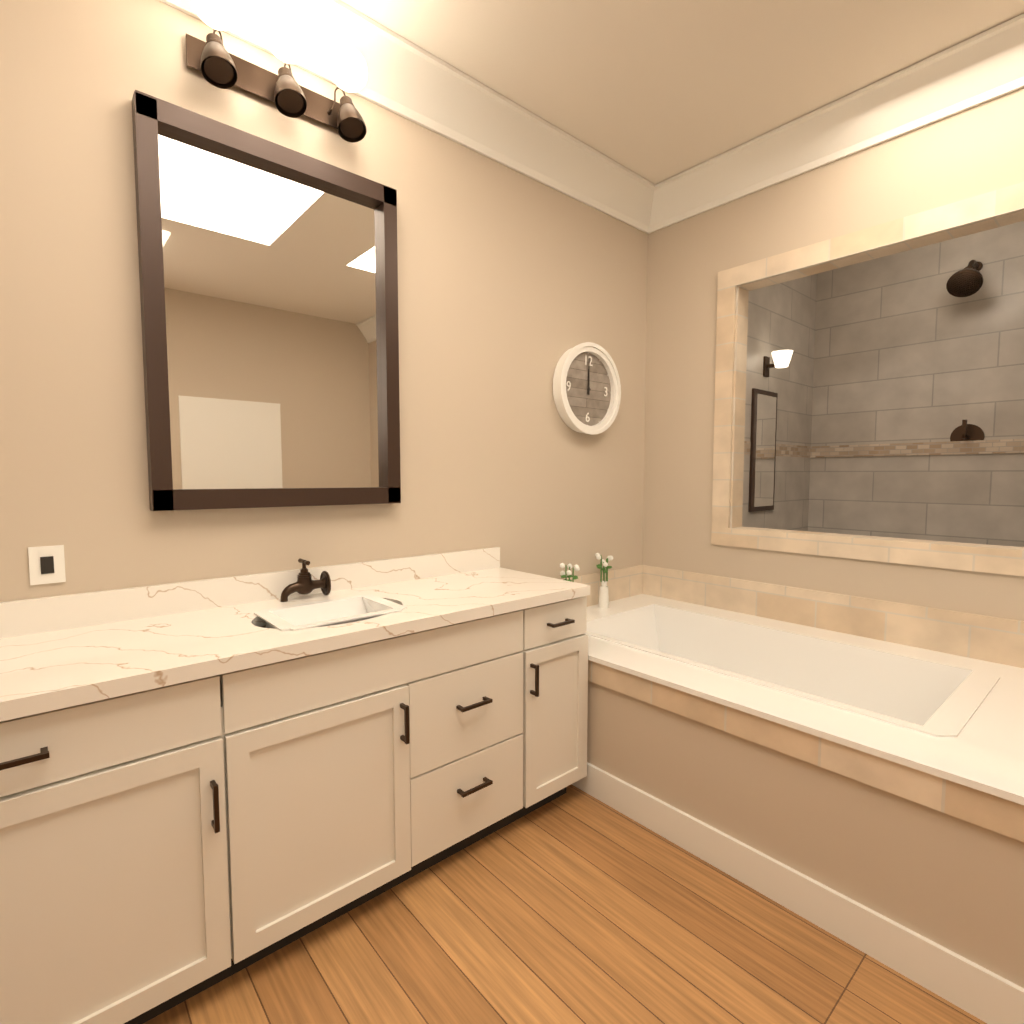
12:00
